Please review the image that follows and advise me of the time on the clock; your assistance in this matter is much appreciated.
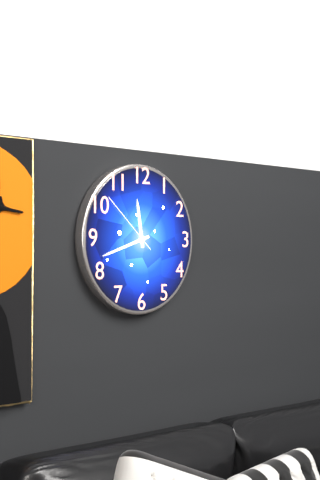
11:42:52
